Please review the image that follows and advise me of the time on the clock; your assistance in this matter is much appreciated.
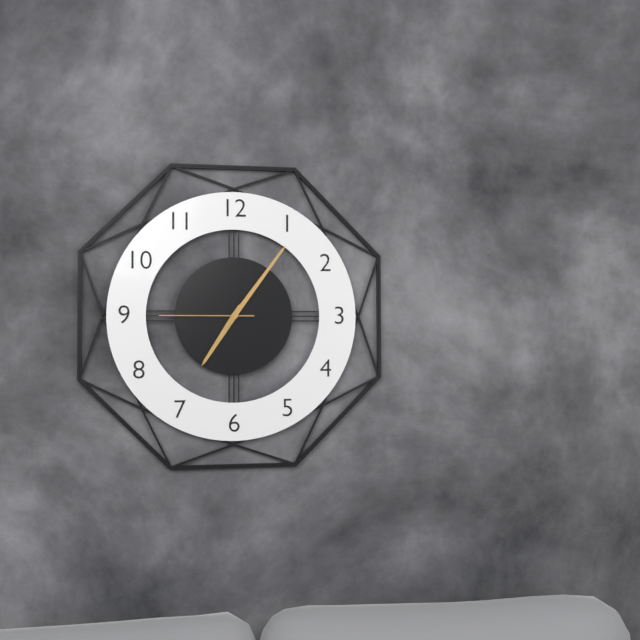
7:06:45
